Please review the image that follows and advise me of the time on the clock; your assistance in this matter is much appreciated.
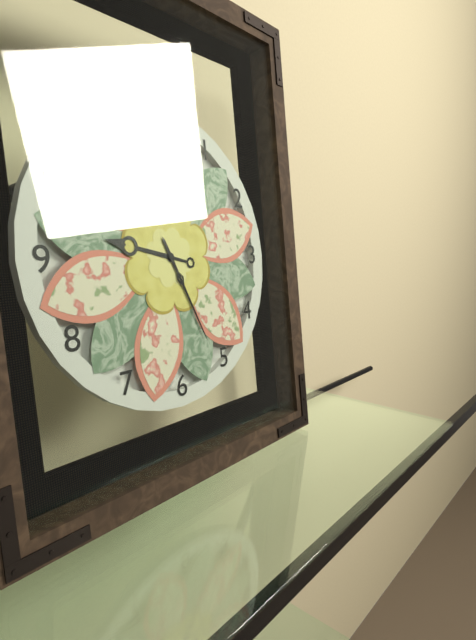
9:26
